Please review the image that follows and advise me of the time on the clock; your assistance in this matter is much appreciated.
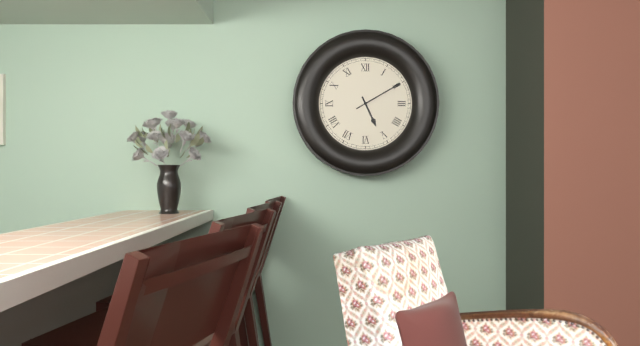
5:10
